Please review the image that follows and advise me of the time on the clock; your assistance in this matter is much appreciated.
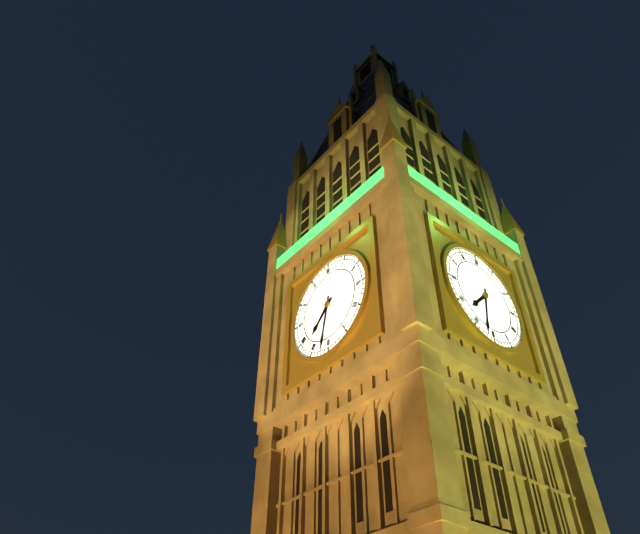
7:32
